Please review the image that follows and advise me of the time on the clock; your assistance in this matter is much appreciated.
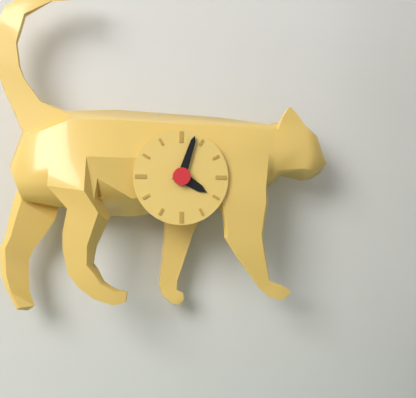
4:03
